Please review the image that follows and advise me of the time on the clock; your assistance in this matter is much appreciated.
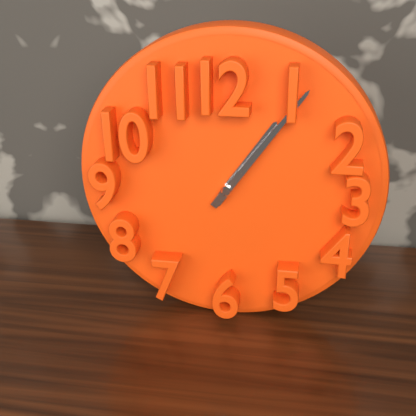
1:06
